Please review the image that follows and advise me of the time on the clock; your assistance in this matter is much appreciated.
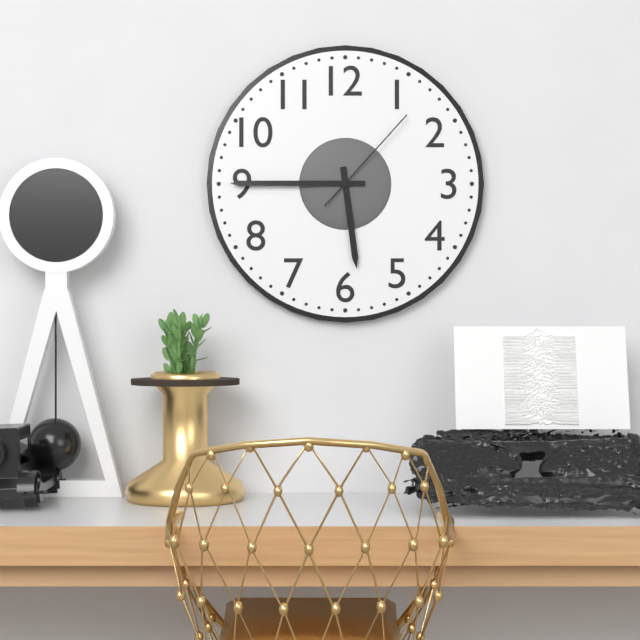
5:45:07
